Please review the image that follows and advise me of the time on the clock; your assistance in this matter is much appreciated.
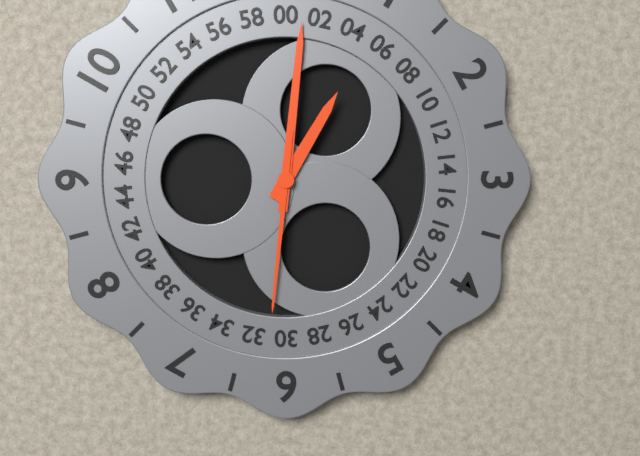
1:01:31
